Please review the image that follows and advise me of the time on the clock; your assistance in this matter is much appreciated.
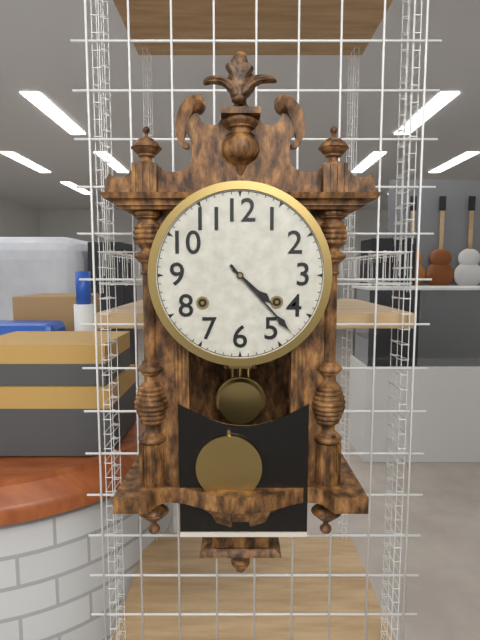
4:23
